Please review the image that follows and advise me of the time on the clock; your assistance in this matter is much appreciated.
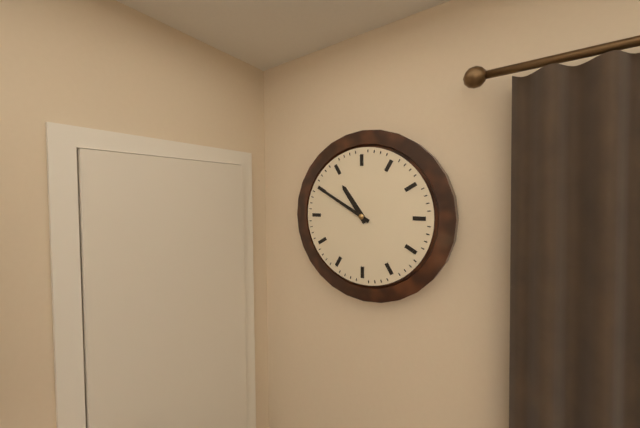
10:50
